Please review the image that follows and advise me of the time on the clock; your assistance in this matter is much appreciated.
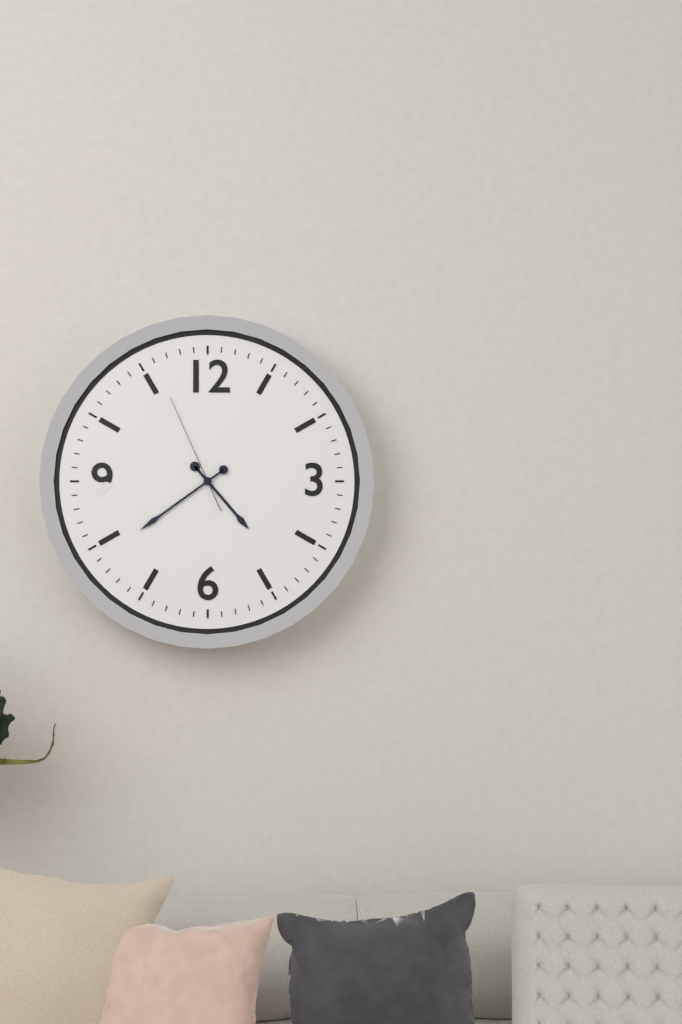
4:39:56
